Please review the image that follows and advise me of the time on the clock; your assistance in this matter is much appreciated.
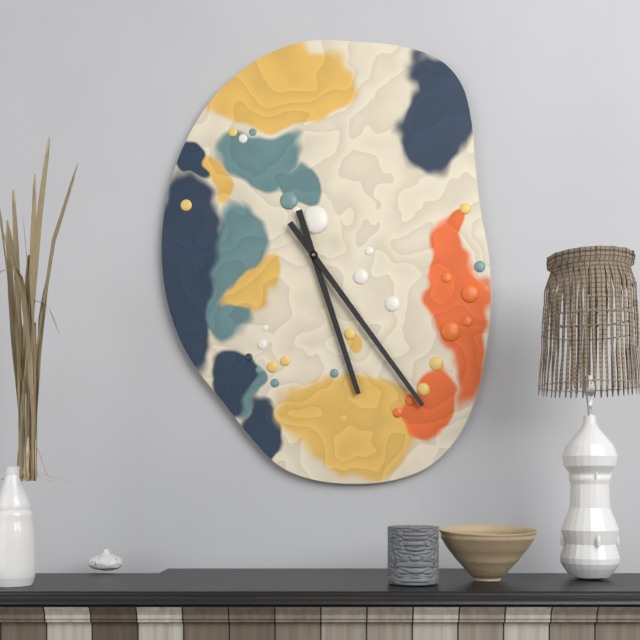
5:24
